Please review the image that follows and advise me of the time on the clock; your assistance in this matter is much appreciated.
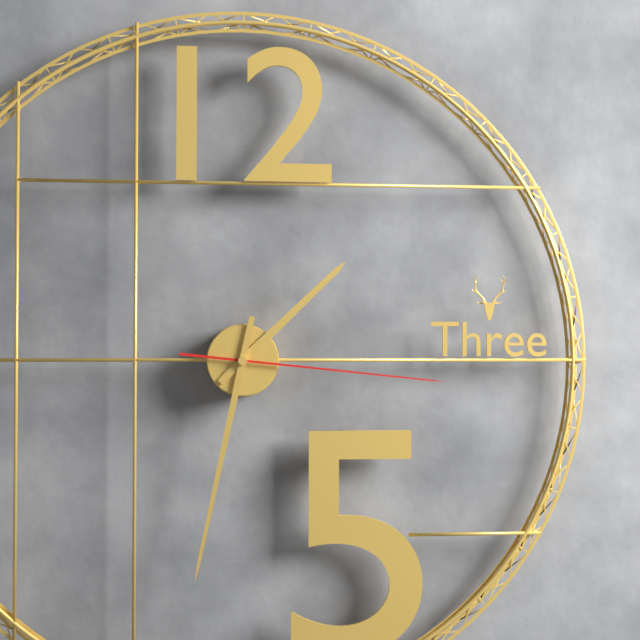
1:32:16
